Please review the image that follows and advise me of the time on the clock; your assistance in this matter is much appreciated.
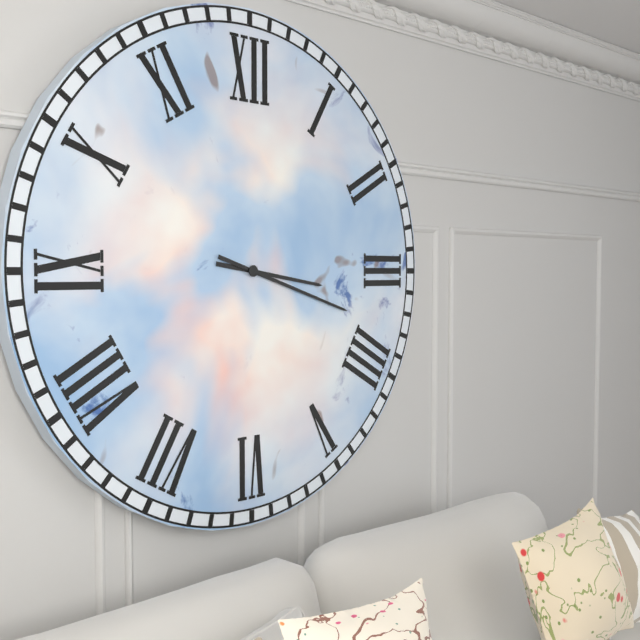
3:18
